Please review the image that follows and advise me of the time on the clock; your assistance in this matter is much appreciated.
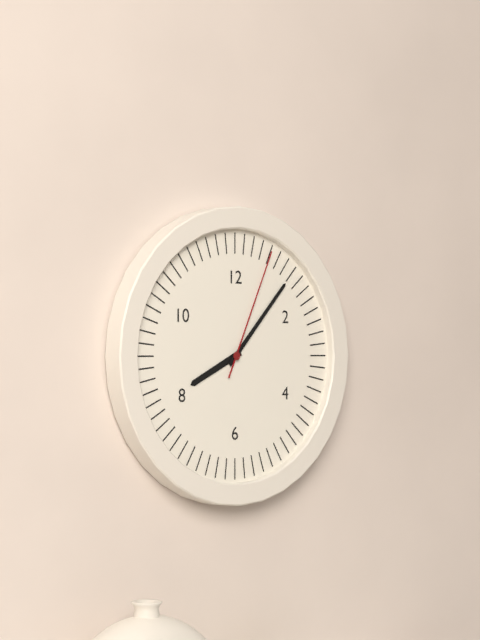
8:07:04
